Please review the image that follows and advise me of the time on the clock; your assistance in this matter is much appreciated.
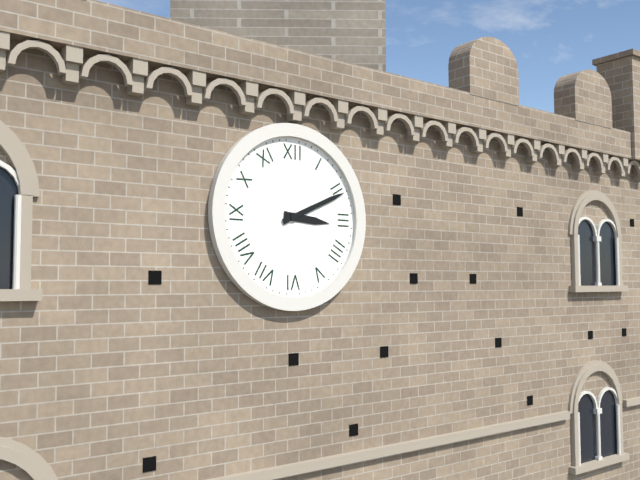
3:11
